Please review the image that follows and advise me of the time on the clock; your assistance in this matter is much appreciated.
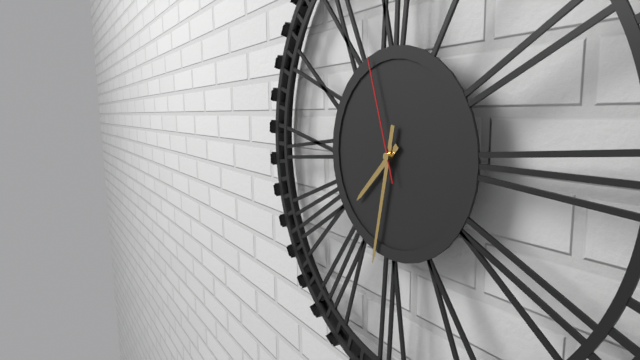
7:32:57
